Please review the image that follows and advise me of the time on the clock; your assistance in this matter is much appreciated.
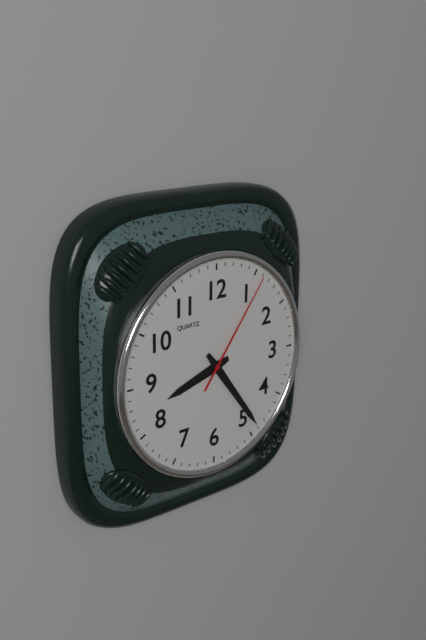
8:24:06
